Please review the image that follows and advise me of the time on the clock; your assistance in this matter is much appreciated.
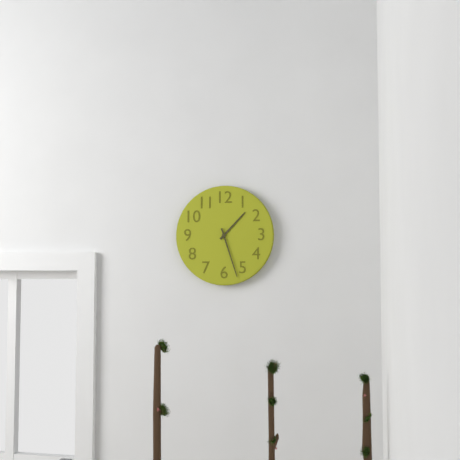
1:27
